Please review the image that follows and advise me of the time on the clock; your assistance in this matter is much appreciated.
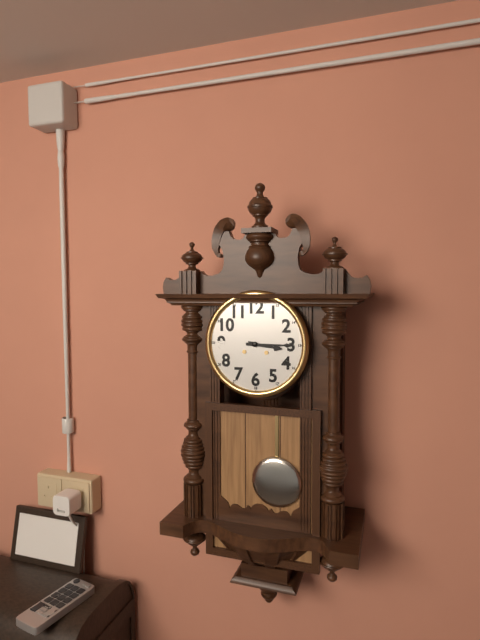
3:15
